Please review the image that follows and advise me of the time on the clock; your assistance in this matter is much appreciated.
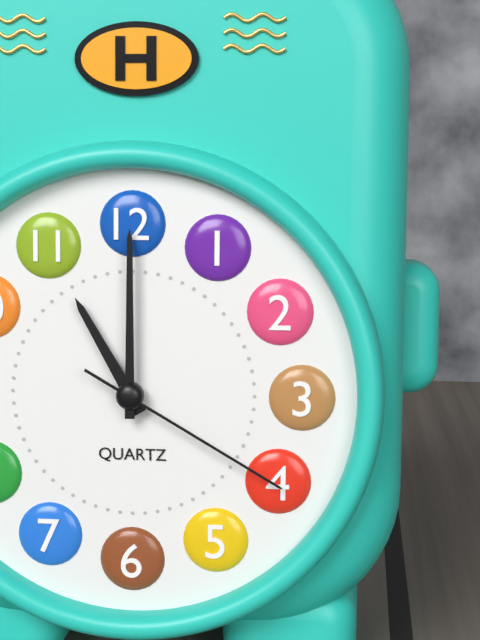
11:00:20
